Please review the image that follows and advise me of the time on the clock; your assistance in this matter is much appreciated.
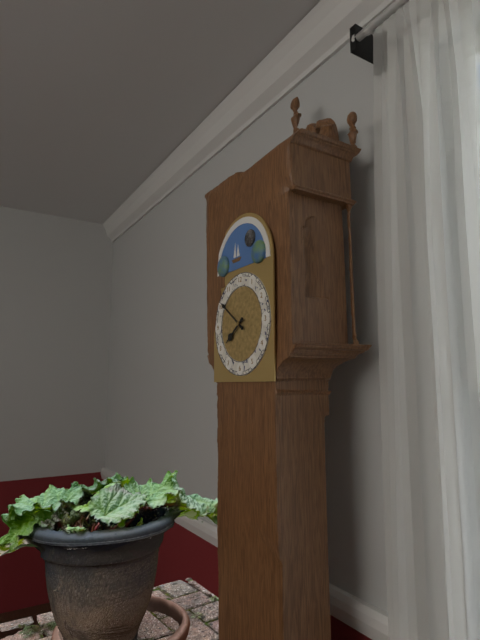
7:51
